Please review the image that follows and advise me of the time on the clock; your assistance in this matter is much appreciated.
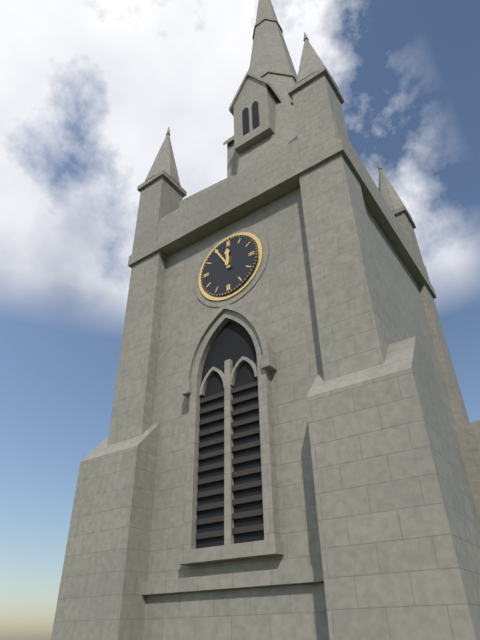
11:55
